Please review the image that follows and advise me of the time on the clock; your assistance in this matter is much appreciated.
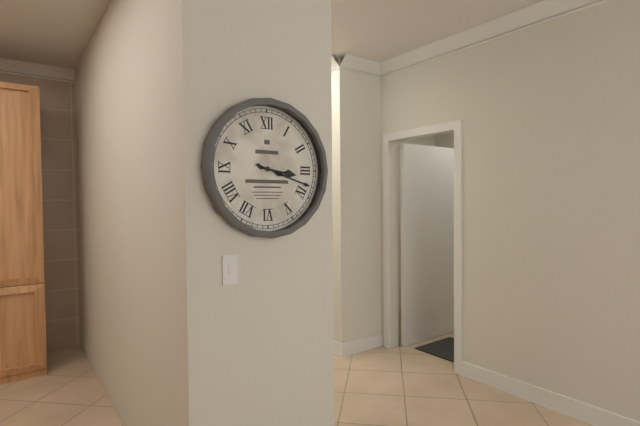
3:18
